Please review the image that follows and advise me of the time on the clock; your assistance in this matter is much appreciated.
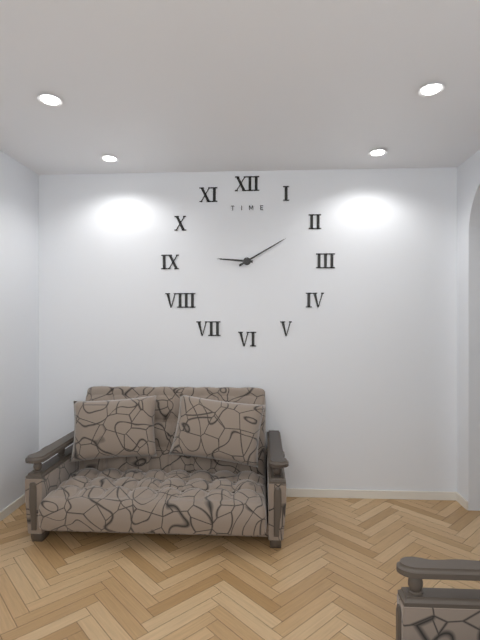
9:10
